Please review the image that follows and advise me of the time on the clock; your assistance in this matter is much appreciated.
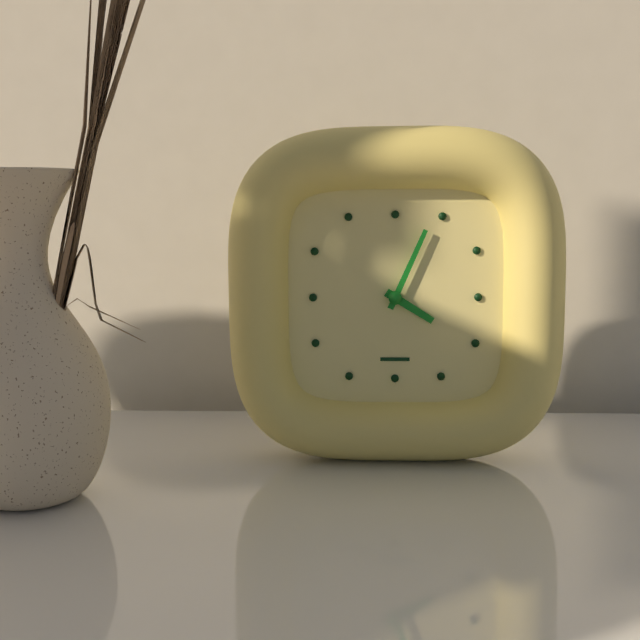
4:04
